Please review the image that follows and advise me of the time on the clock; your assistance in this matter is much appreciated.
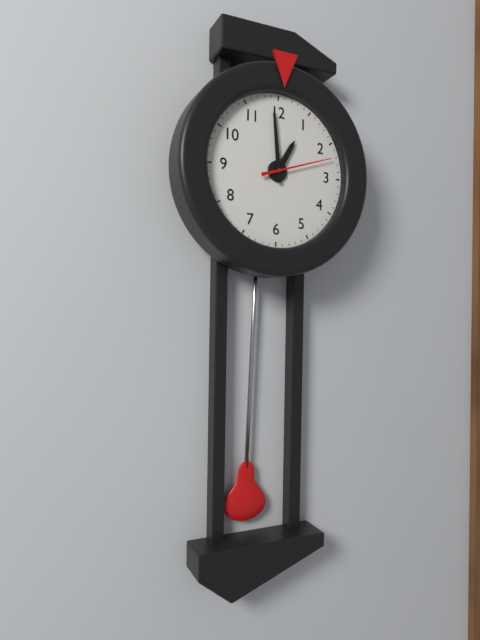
12:59:12
